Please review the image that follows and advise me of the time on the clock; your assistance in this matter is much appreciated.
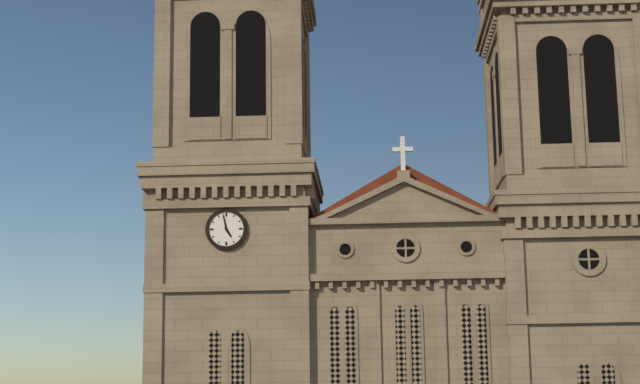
4:58
